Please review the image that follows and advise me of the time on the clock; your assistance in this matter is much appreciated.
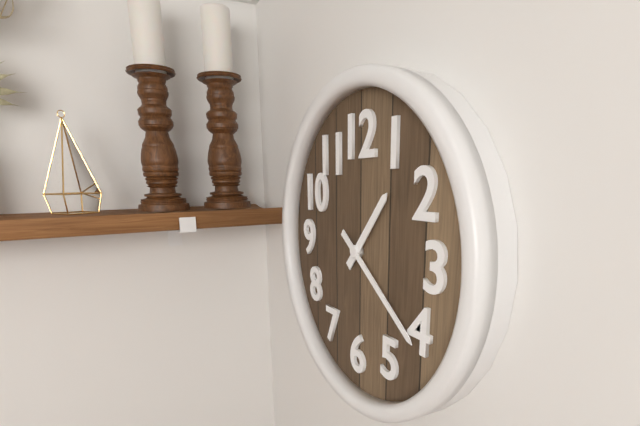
1:21
